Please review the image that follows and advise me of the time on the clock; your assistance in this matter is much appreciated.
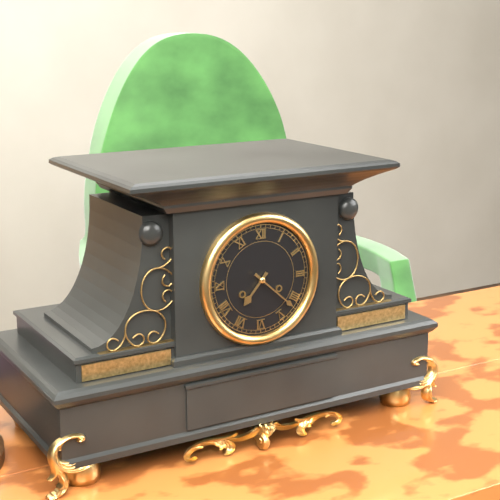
7:22
